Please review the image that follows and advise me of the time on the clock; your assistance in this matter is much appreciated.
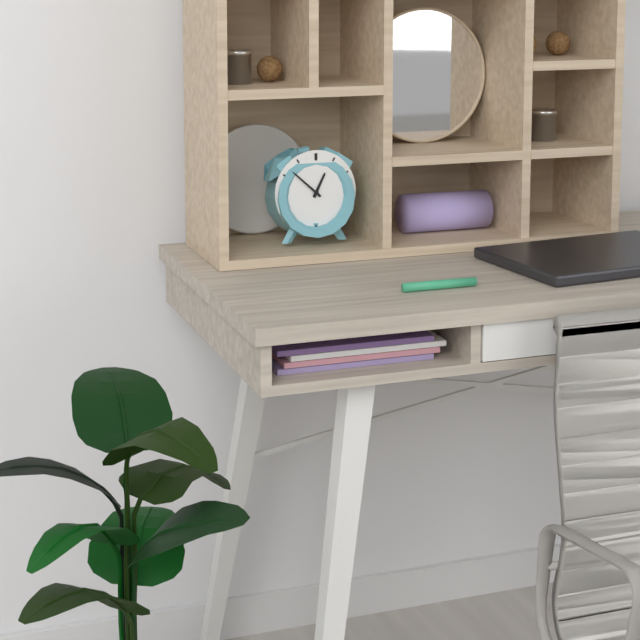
12:52
